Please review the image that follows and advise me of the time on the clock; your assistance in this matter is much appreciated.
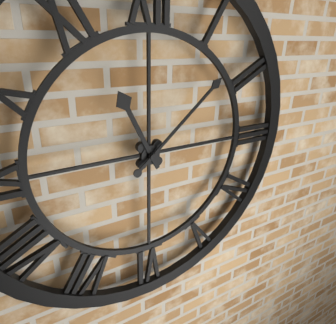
11:08
